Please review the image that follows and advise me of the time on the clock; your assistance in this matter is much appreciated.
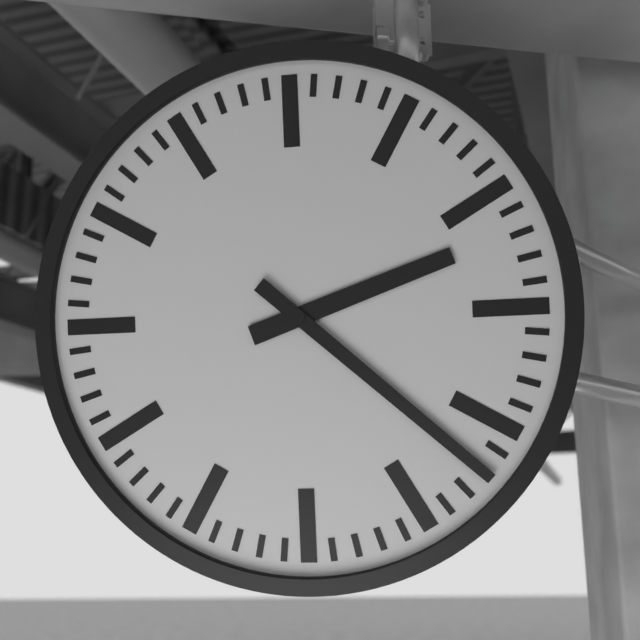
2:22
